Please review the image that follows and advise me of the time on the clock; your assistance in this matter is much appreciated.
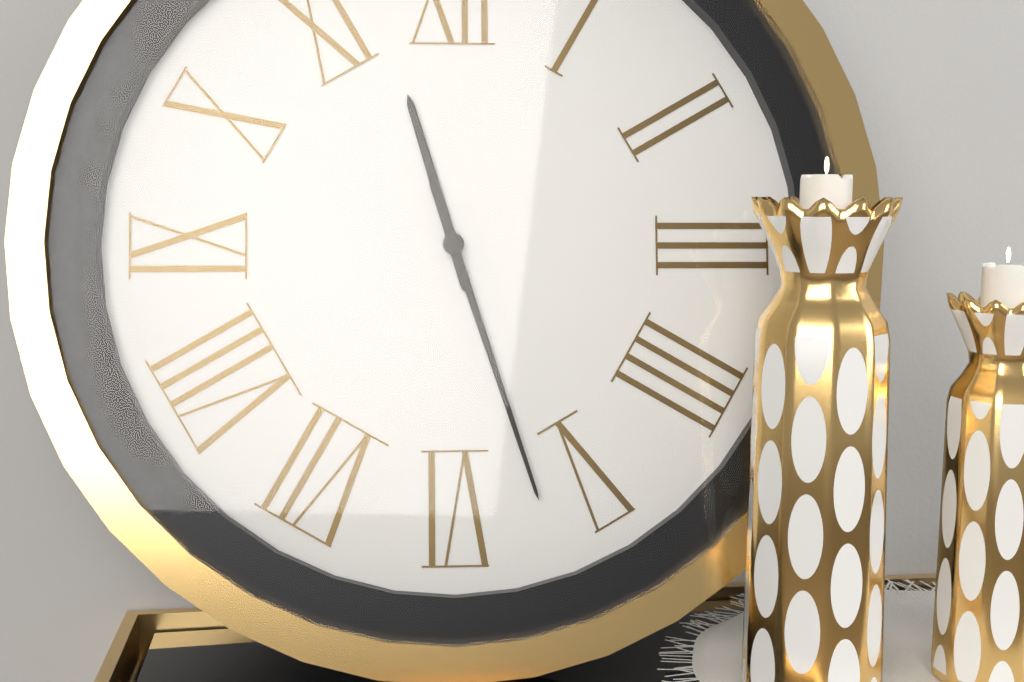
11:27
